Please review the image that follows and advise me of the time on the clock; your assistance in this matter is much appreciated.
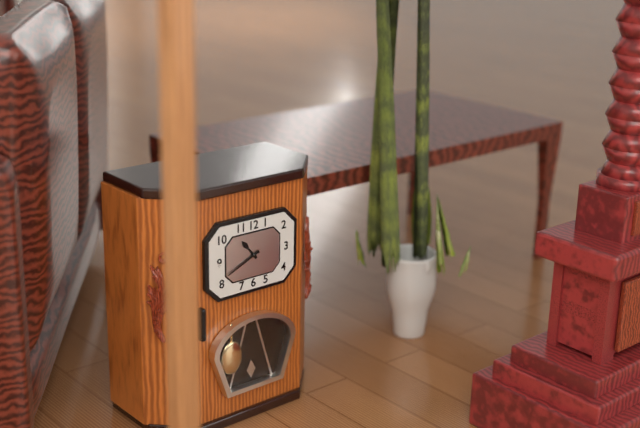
10:41
